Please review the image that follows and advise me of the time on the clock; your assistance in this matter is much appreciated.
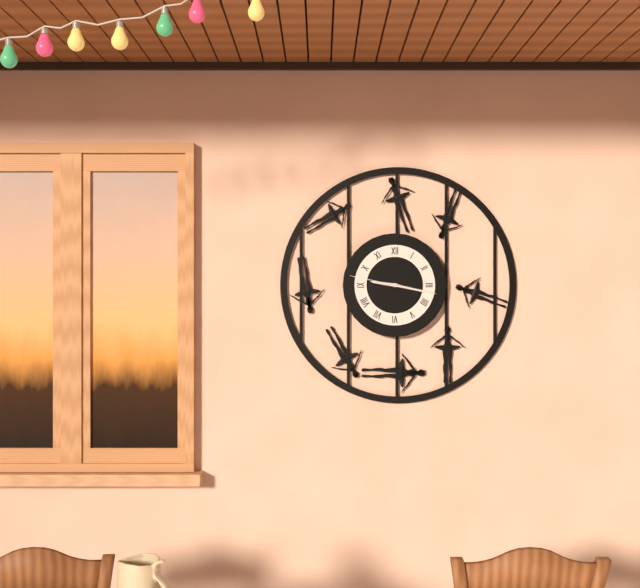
9:17:47
